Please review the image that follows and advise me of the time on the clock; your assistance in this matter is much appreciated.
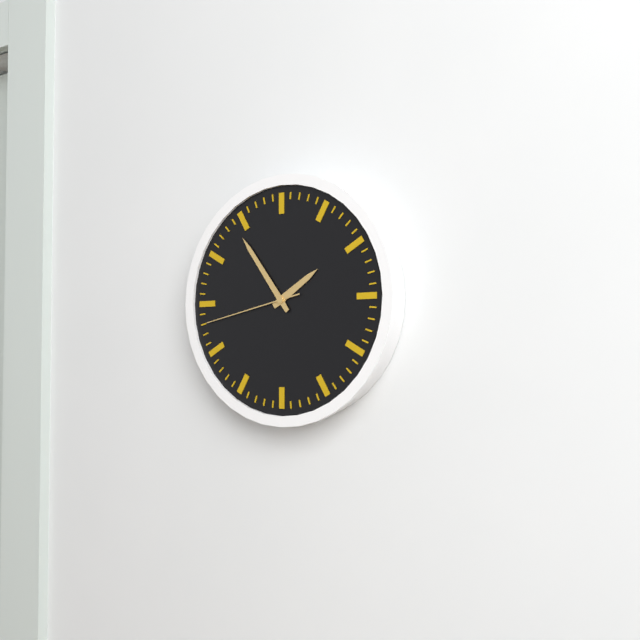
1:54:43
